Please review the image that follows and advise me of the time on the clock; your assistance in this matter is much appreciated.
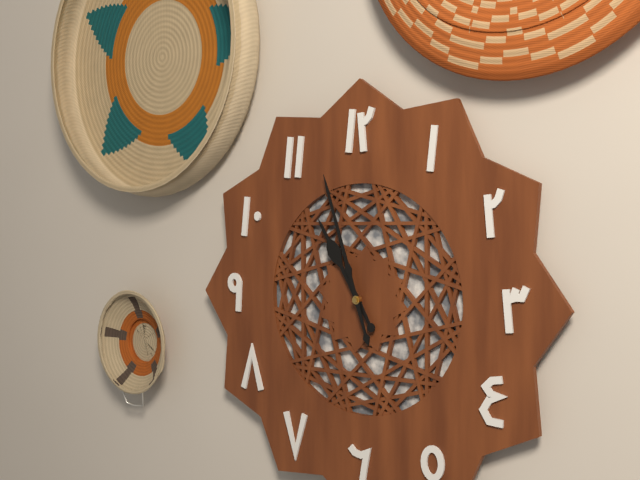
10:57
